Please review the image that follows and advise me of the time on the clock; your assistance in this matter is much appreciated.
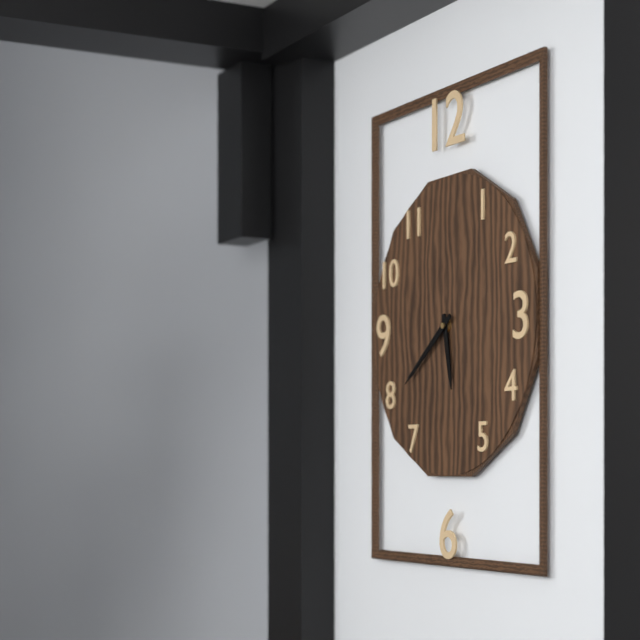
5:39
